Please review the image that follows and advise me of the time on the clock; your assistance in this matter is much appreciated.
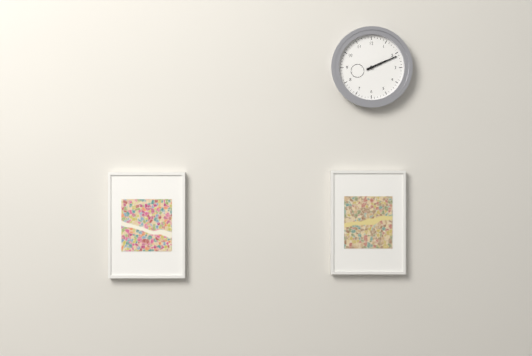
2:11
